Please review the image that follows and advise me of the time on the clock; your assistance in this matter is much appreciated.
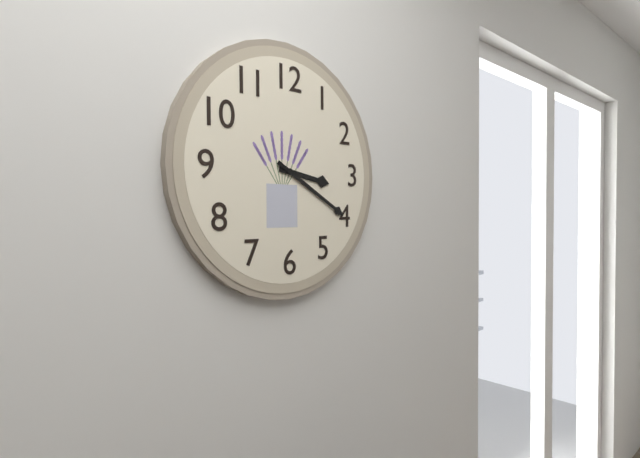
3:20
